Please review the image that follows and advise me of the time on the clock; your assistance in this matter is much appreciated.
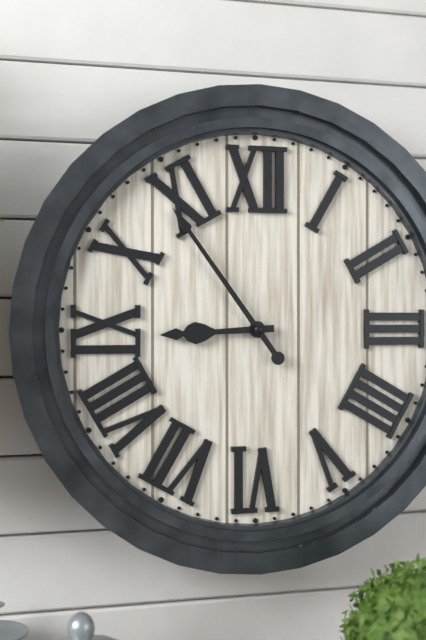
8:54
